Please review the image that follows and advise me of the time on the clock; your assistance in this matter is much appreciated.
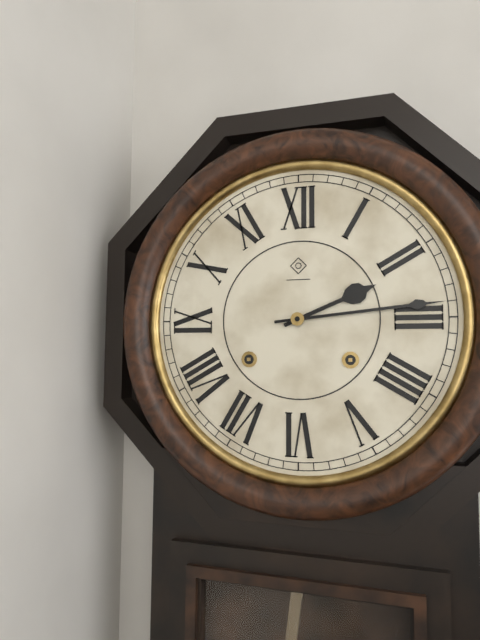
2:14
